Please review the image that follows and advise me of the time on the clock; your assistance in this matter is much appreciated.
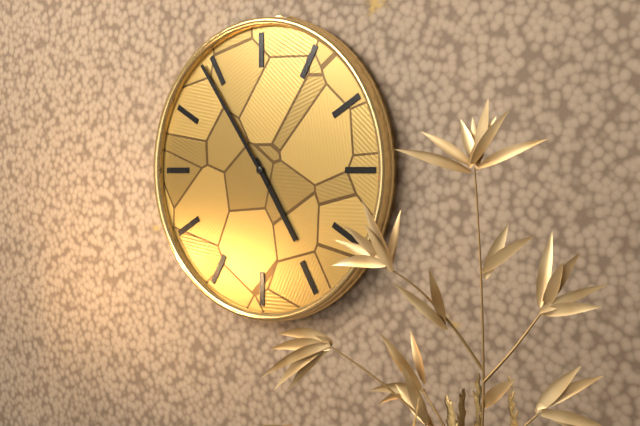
4:54
